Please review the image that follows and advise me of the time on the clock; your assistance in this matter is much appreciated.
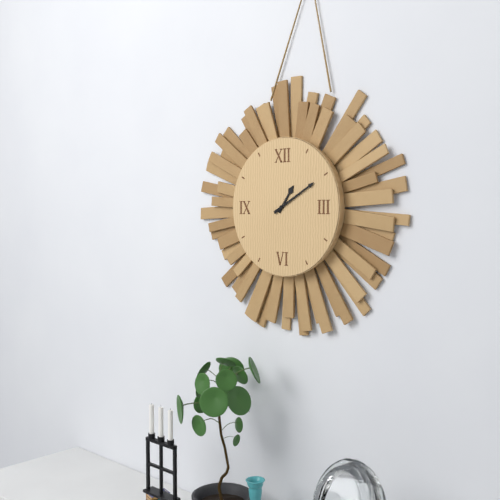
1:10
